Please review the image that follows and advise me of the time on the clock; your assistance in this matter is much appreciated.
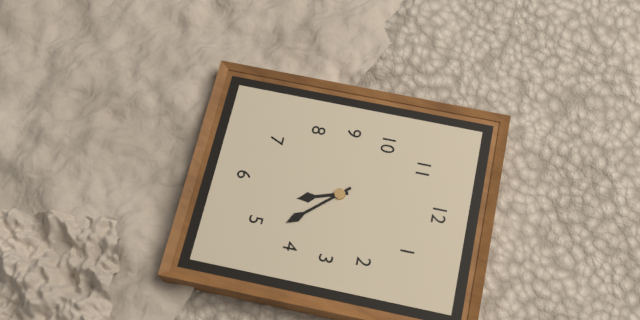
5:23
